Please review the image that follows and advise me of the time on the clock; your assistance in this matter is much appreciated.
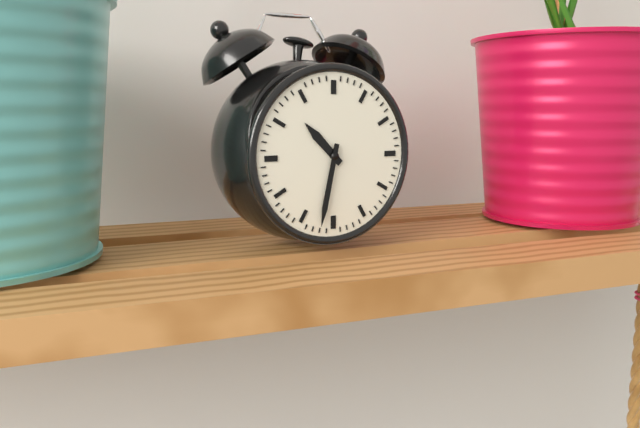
10:32
